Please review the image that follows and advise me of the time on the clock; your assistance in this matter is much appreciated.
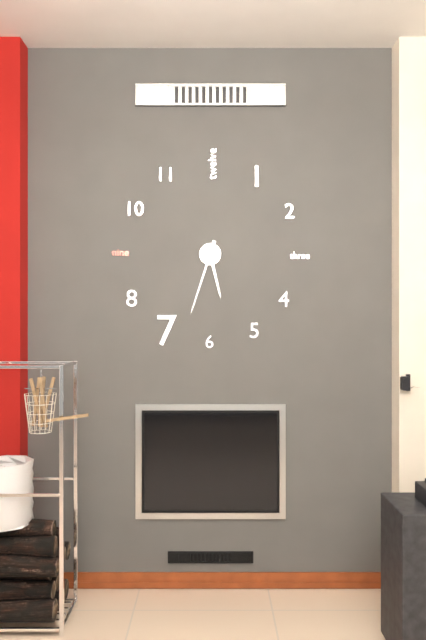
5:33
